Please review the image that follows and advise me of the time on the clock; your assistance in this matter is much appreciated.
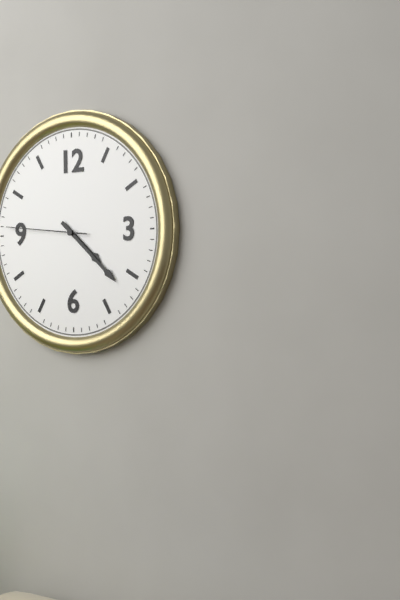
4:22:46
